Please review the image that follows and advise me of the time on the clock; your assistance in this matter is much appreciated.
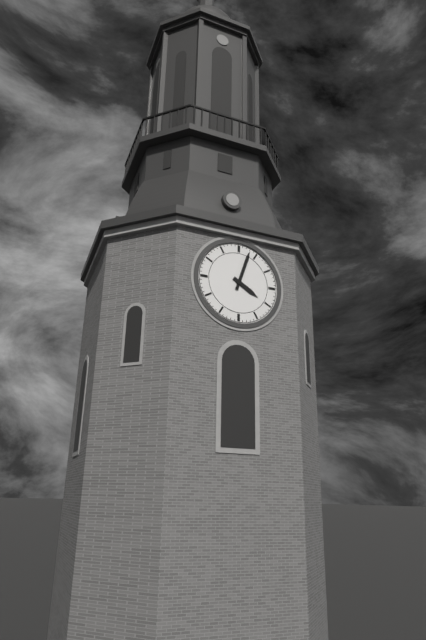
4:03
